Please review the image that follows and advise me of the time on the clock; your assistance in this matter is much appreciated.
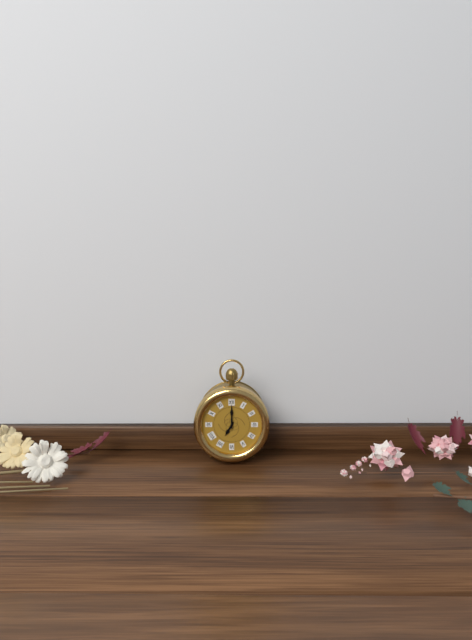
7:00
